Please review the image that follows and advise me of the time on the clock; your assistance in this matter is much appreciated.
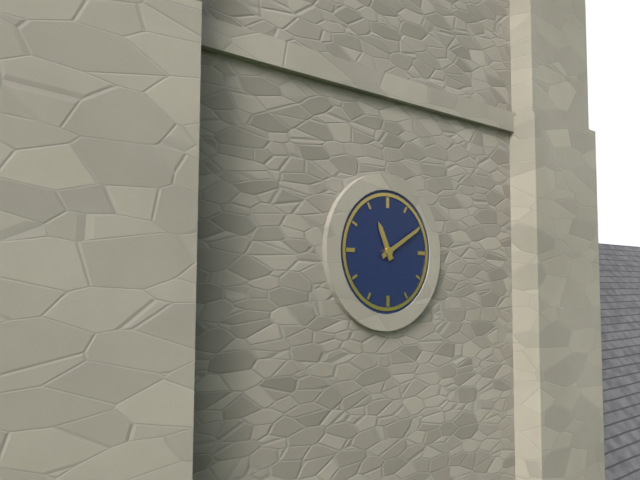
11:10
